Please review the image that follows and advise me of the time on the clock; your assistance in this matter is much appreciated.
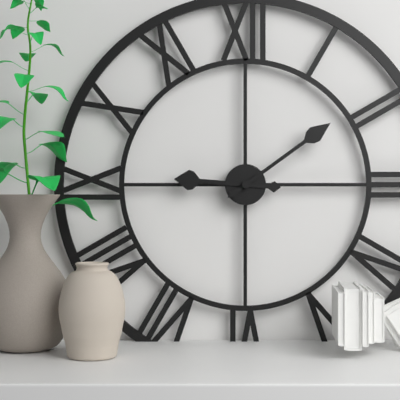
9:09
